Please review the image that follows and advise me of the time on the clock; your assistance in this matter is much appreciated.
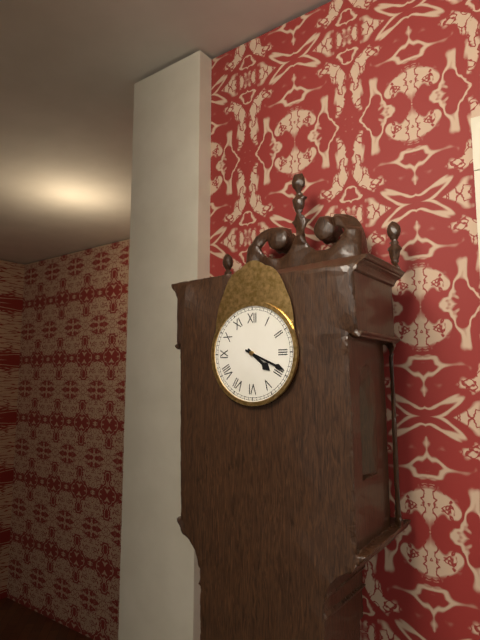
4:19
